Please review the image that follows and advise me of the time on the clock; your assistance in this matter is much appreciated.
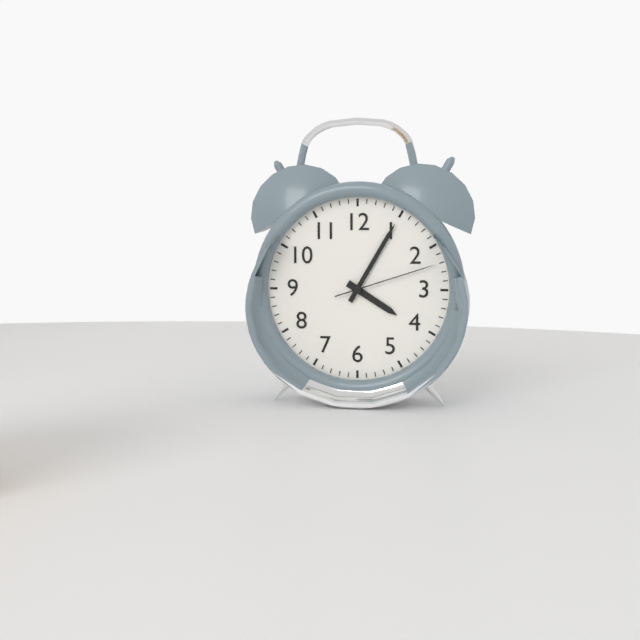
4:05:12
